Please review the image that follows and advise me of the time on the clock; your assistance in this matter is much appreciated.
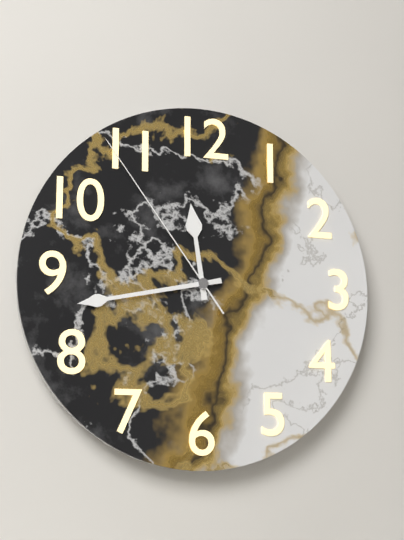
11:43:54
